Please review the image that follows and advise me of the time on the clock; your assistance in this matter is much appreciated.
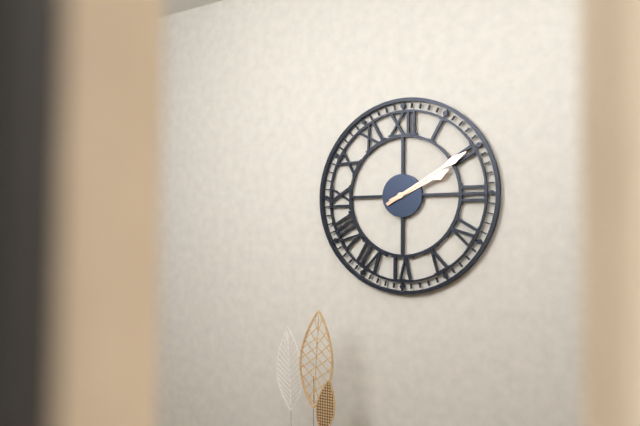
2:10
